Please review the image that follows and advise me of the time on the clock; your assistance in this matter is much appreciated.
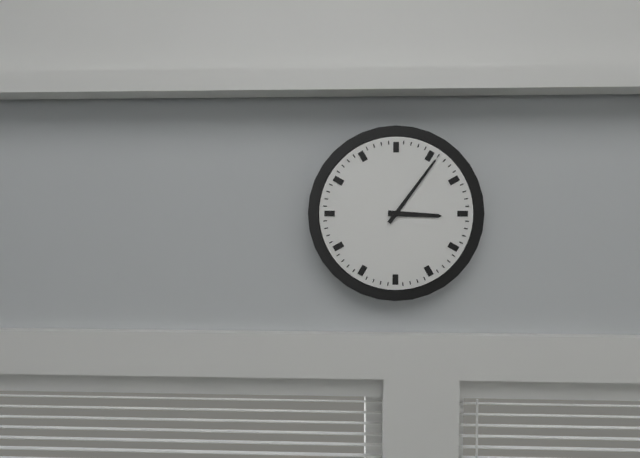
3:06
